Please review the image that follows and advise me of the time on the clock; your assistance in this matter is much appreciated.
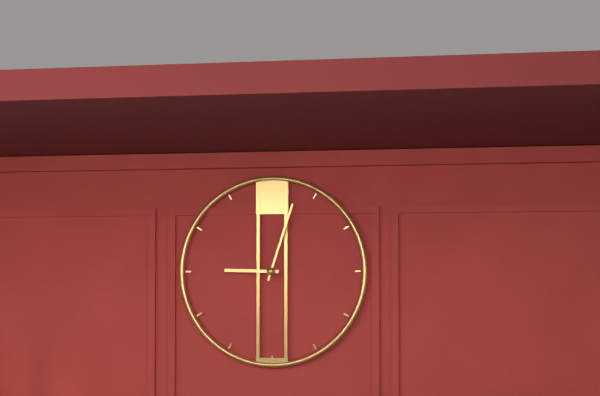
9:03
